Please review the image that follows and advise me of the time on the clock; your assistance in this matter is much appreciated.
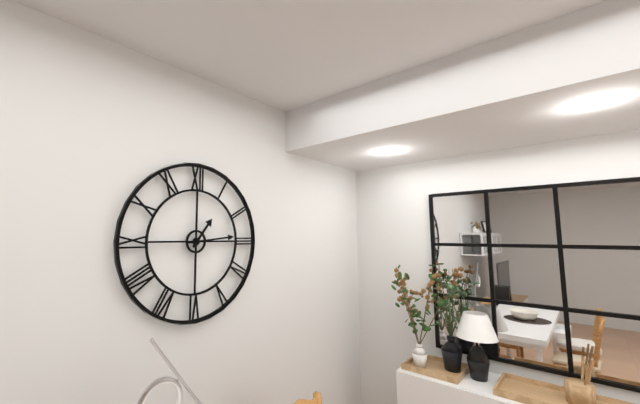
1:14
